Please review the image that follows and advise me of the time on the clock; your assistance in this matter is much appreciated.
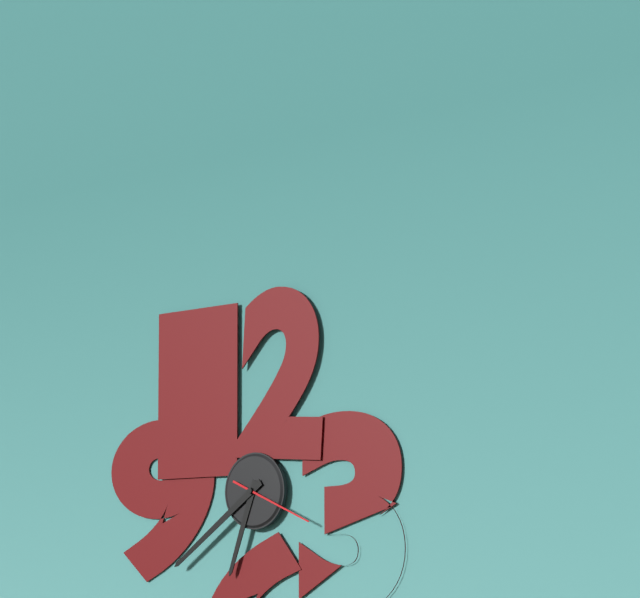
6:39:19
